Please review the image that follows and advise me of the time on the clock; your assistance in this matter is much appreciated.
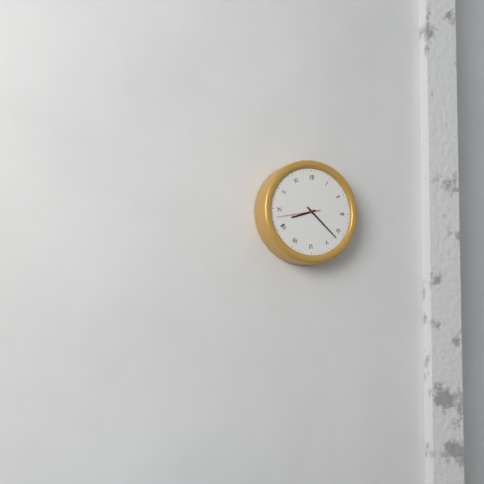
8:22
